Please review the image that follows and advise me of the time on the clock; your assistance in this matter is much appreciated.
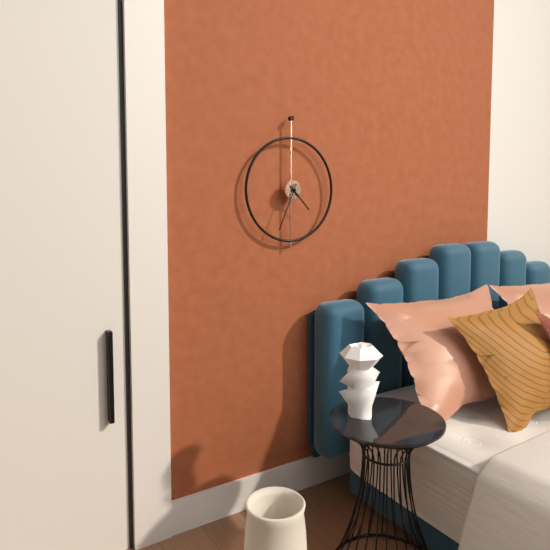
4:34
